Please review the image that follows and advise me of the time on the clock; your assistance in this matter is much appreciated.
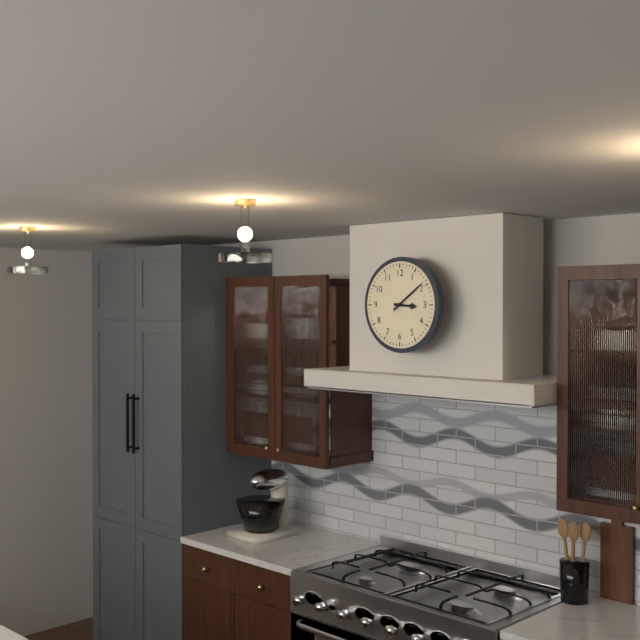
3:09
